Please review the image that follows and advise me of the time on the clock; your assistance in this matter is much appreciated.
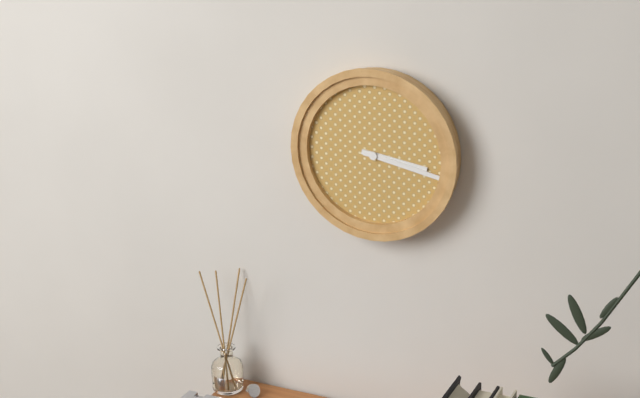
3:17
